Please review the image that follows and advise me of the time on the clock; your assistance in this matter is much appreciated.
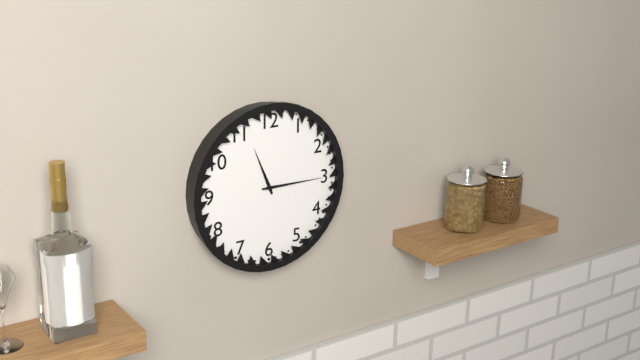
11:15
